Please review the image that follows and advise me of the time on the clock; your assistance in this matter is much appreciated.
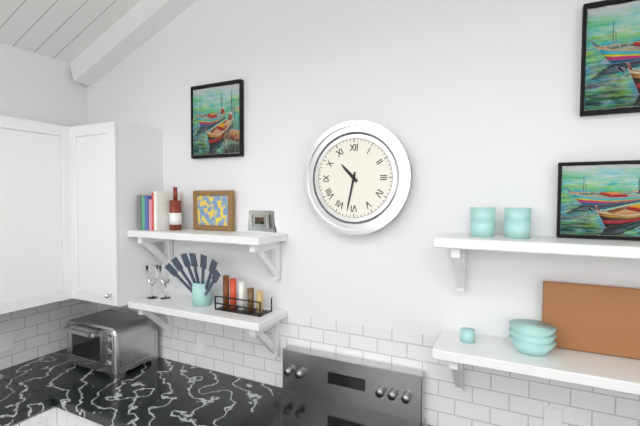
10:32
